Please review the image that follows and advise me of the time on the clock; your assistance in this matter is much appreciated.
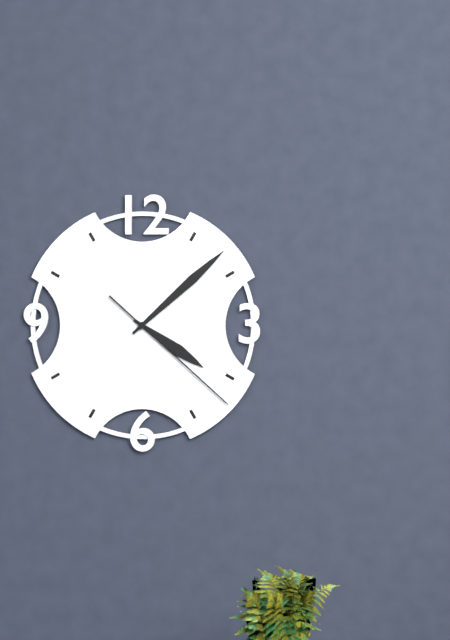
4:08:22
